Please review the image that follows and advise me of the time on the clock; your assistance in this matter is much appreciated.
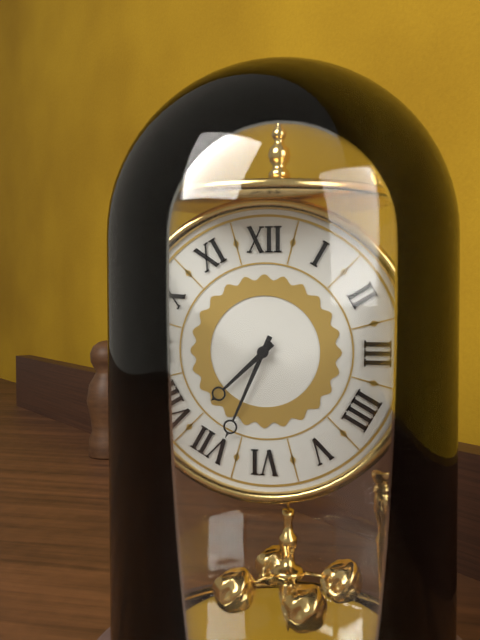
7:34
